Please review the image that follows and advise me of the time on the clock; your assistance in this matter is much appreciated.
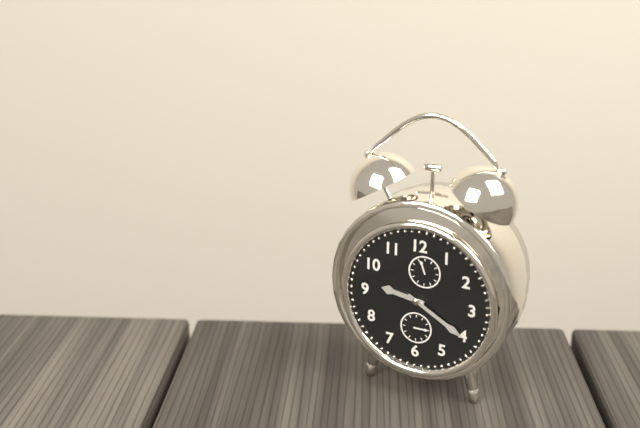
9:20
